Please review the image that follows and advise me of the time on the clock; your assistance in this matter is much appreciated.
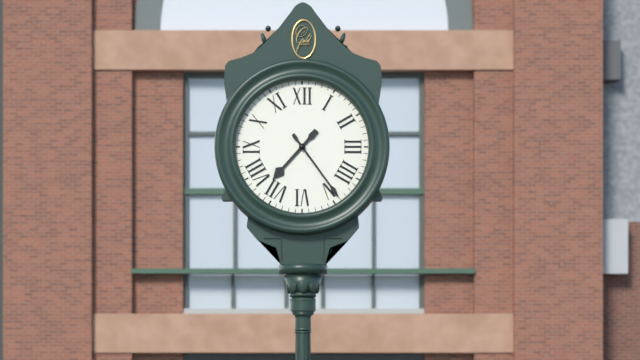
7:24
